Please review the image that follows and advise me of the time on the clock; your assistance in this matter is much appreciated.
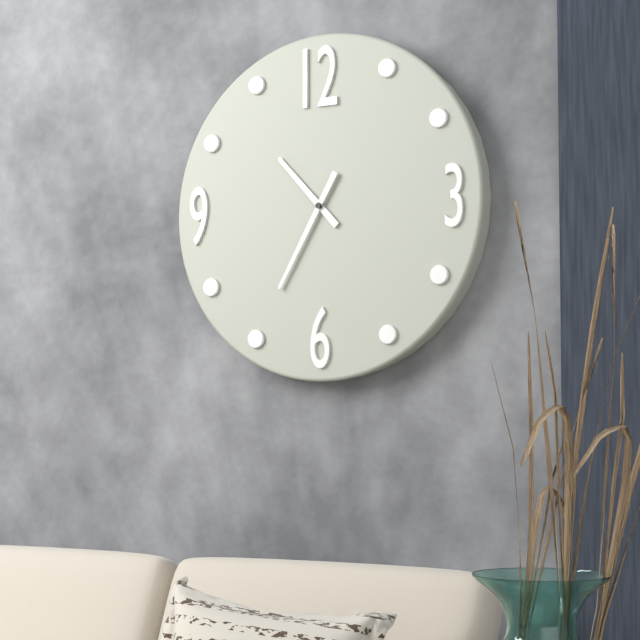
10:35
